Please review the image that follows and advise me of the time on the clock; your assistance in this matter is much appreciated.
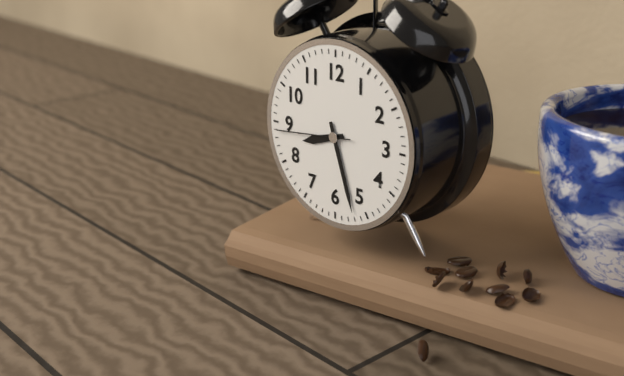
8:27:44
